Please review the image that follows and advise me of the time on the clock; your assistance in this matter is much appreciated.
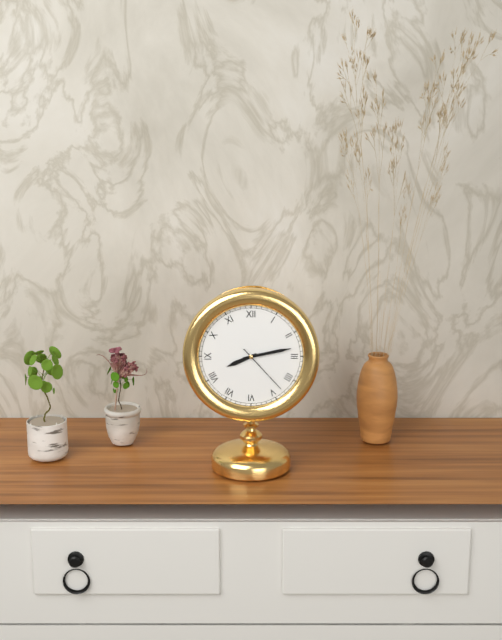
8:13:23
